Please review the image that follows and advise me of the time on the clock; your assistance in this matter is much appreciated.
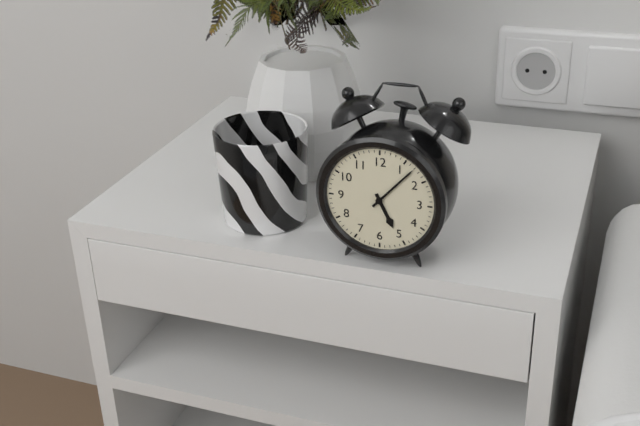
5:07
